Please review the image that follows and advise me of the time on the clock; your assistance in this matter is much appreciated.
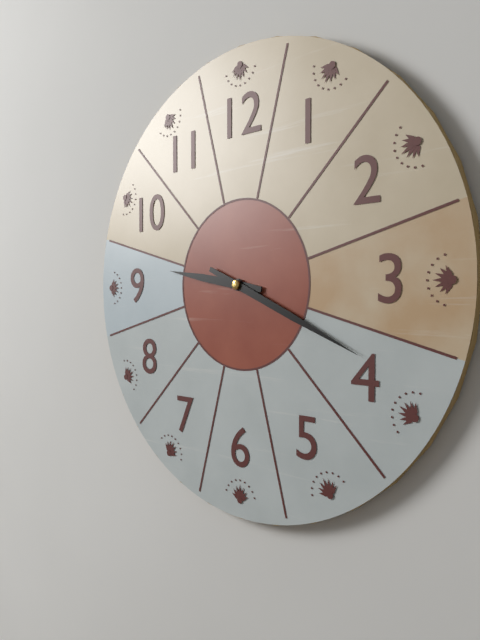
9:19
